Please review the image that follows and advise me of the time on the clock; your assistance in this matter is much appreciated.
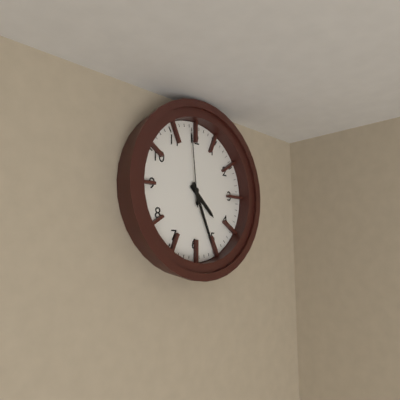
4:26:59
